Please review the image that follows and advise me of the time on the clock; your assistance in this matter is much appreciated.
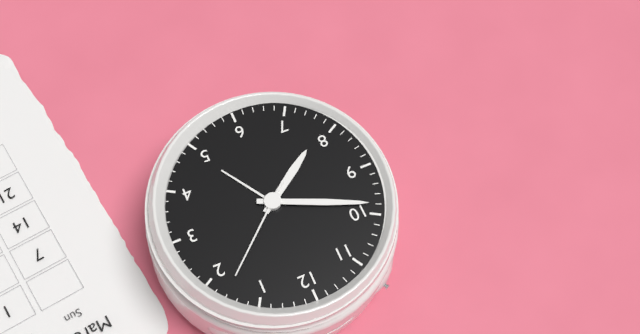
7:49:08
